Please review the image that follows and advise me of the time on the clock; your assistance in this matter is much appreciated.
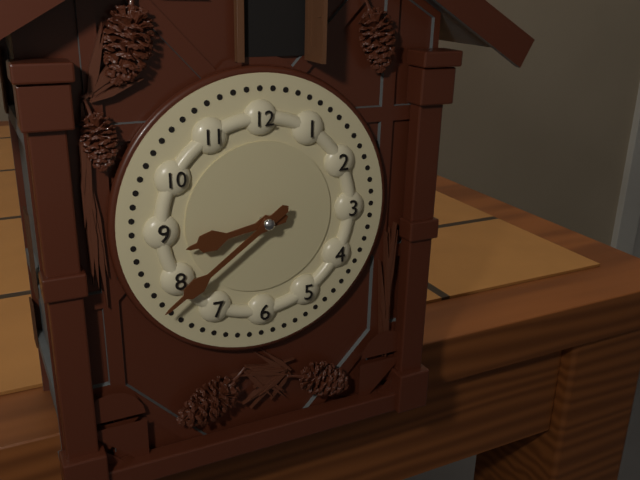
8:39
